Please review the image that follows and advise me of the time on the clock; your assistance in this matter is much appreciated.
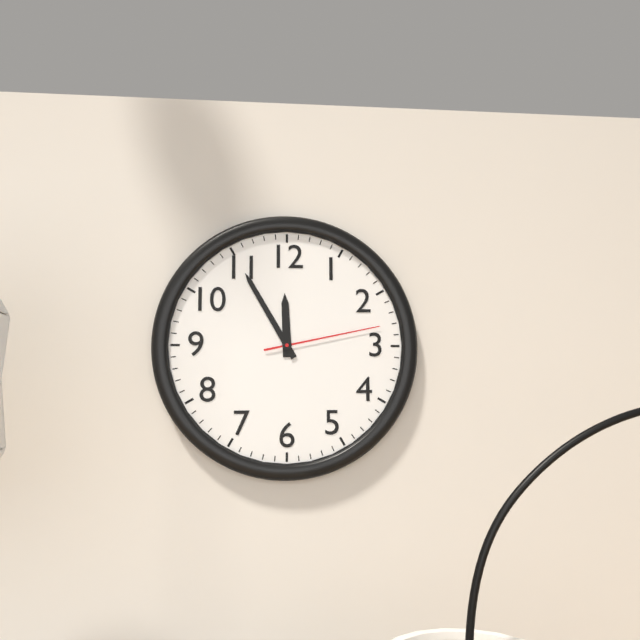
11:55:13
